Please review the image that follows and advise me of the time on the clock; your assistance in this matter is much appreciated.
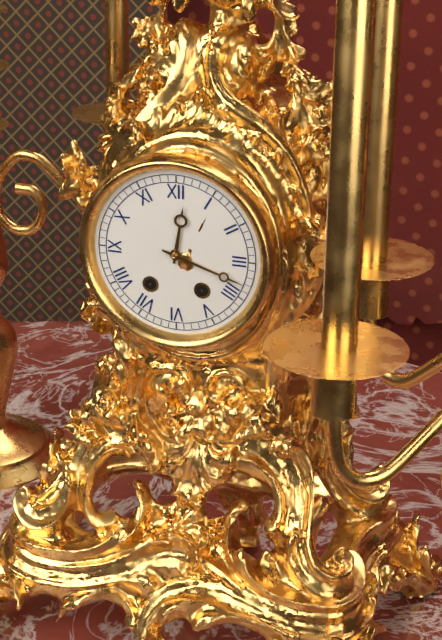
12:18
